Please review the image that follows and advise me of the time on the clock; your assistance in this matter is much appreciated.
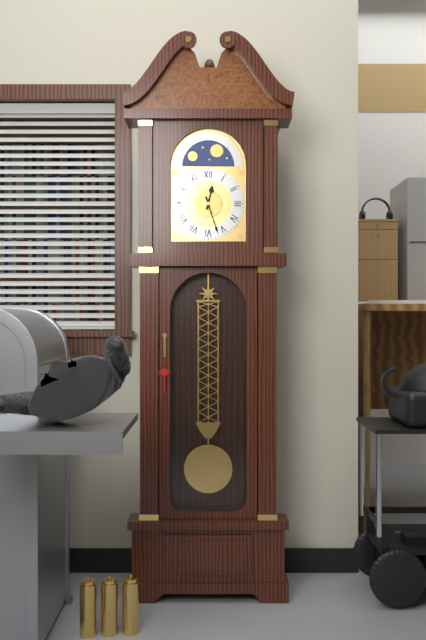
12:27
